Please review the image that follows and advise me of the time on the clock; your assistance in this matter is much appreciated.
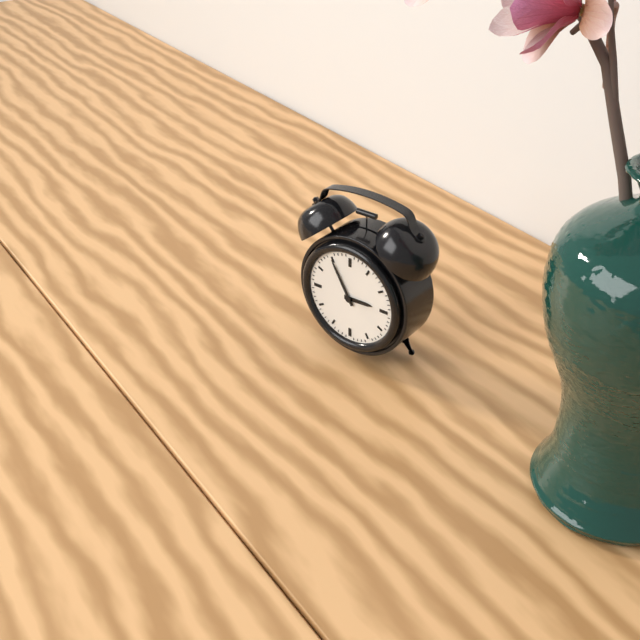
2:55
